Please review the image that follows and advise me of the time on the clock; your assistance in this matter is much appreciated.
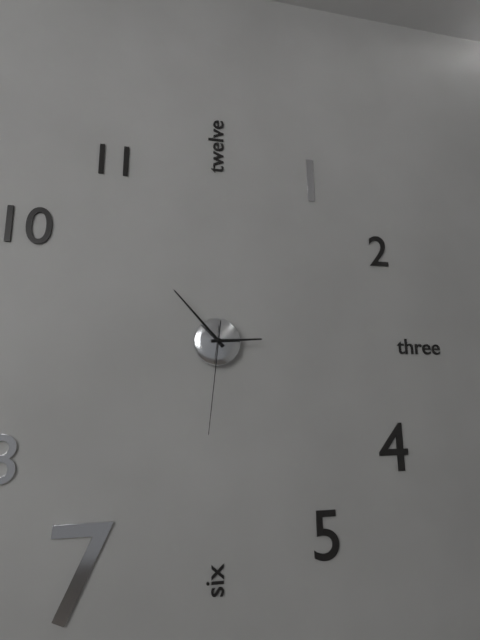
2:53:31
